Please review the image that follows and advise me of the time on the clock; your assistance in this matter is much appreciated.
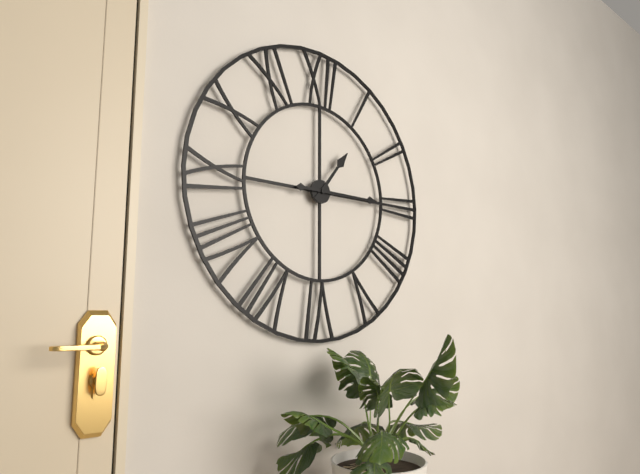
1:15
